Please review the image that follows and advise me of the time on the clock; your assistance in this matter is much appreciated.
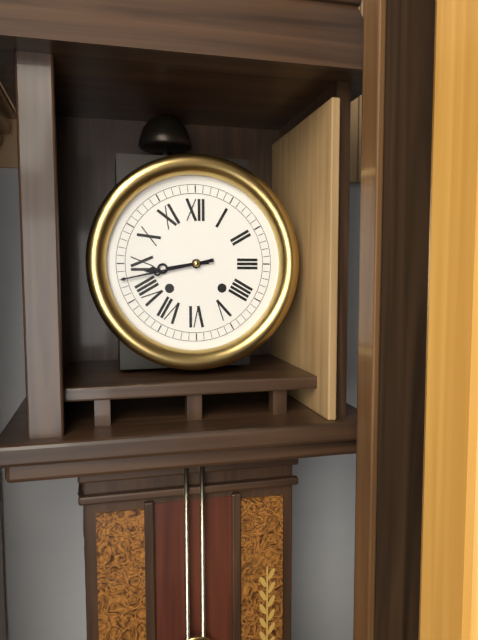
8:43
